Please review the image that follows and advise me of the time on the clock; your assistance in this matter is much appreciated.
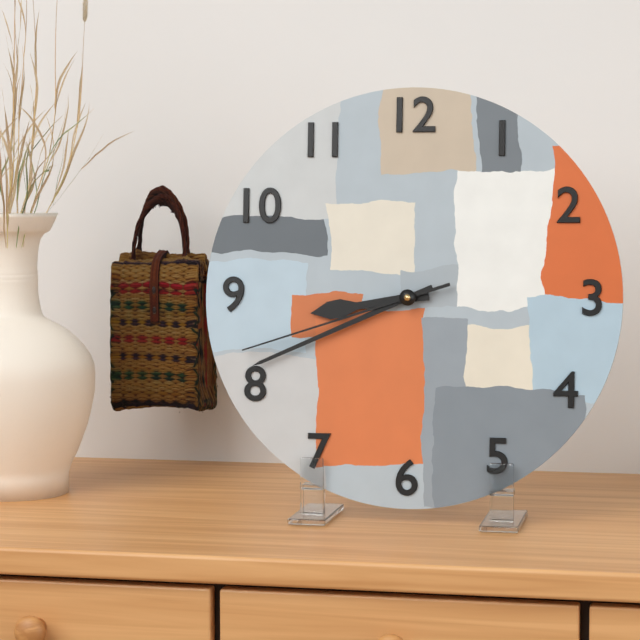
8:41:42
